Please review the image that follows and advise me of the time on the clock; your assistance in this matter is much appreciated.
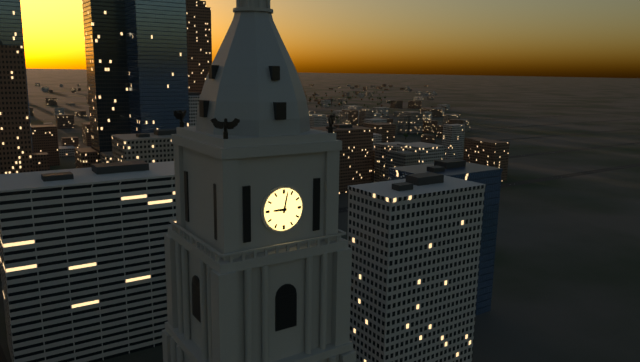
9:02
